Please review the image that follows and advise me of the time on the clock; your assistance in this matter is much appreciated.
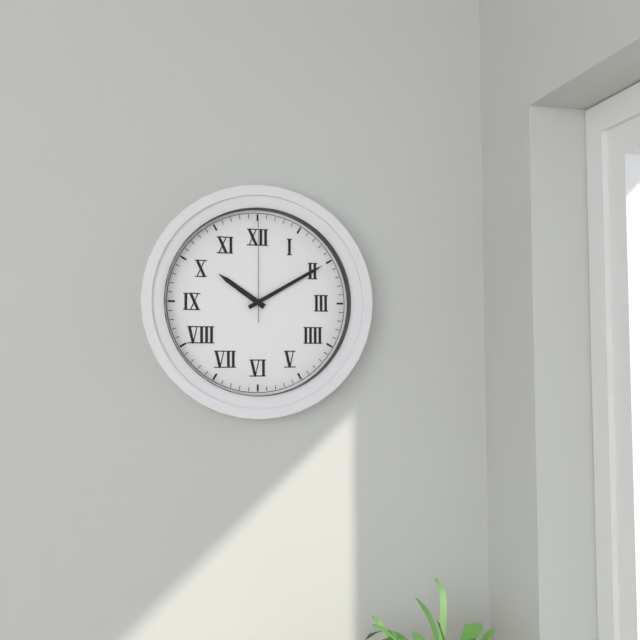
10:10:00
